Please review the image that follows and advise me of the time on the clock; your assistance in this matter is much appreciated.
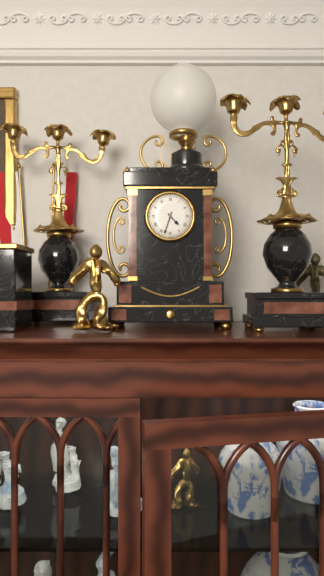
4:33
